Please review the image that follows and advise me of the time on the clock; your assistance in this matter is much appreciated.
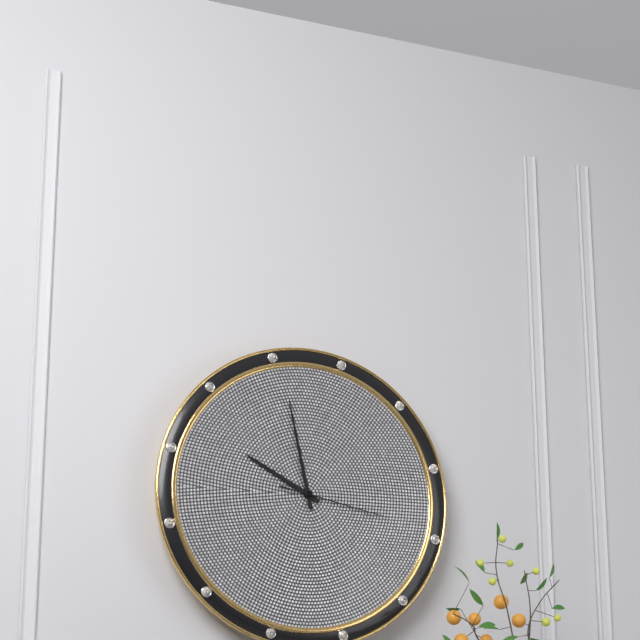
9:58:17
